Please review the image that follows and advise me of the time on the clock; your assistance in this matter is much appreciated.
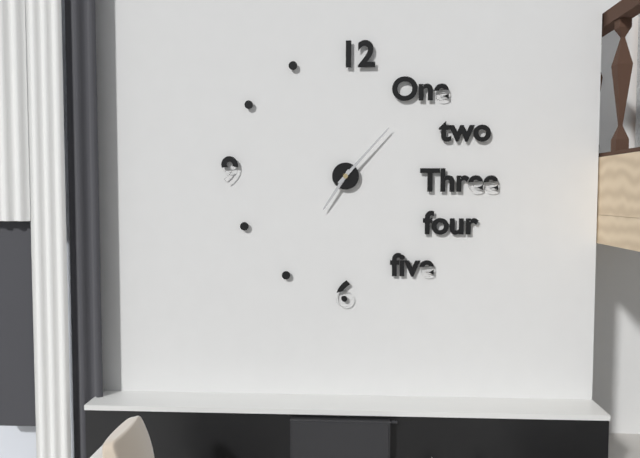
7:07
